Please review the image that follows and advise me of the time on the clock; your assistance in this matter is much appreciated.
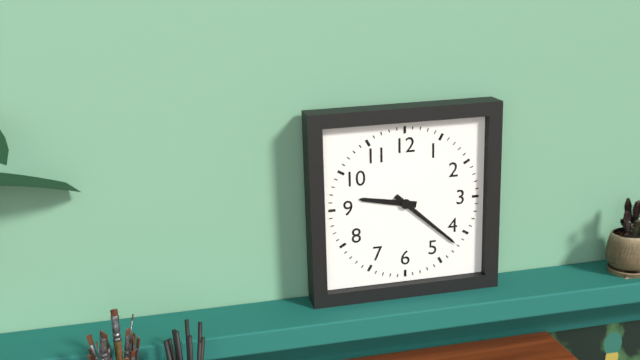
9:22
